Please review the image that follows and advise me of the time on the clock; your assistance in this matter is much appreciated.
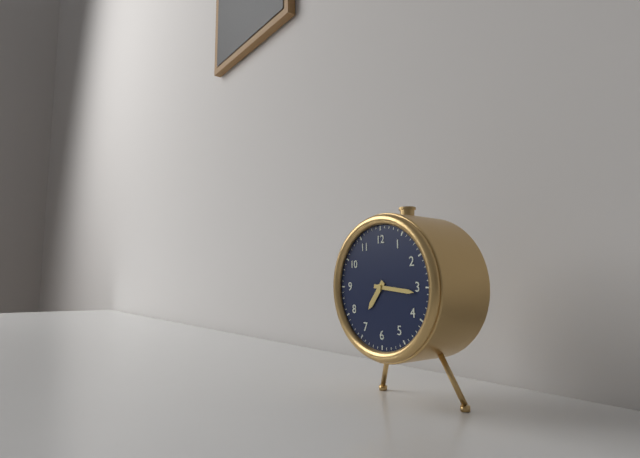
7:16
